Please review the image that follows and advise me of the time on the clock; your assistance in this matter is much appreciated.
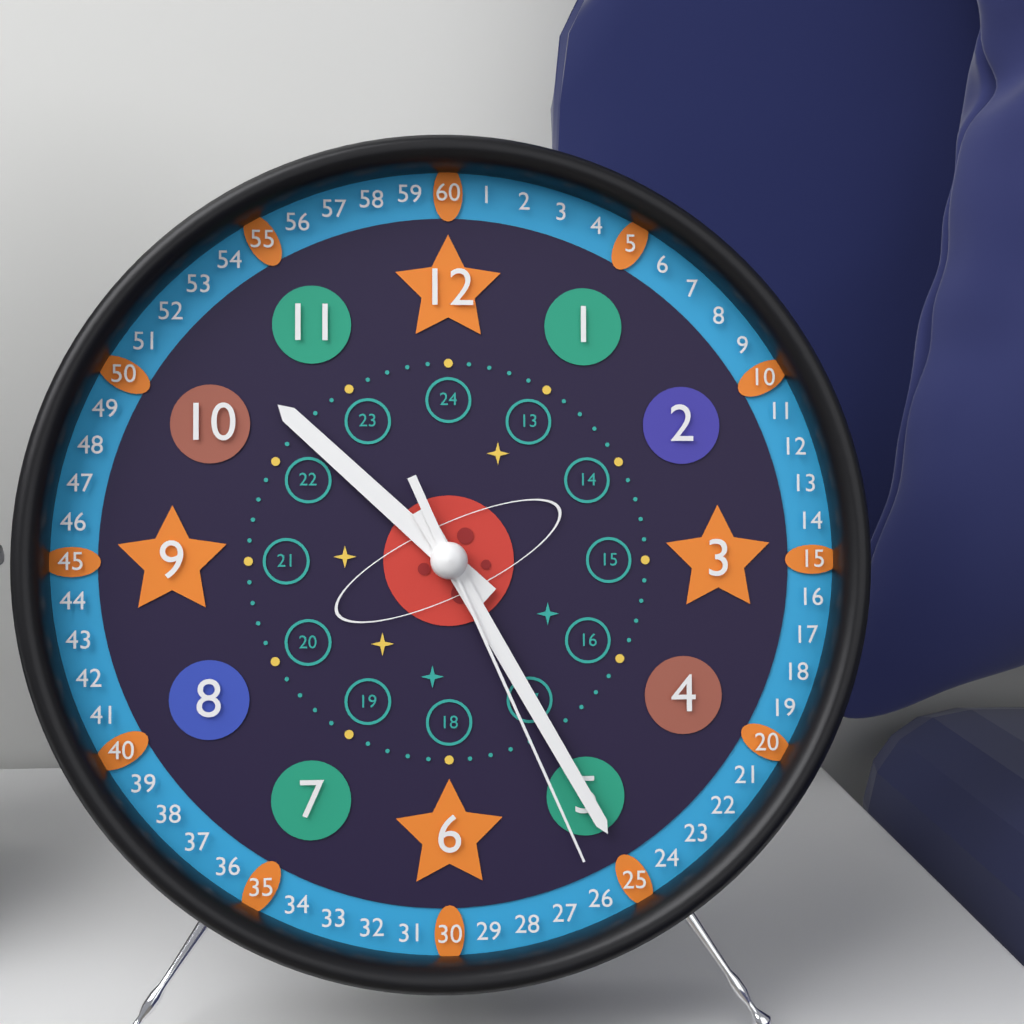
10:25:26
